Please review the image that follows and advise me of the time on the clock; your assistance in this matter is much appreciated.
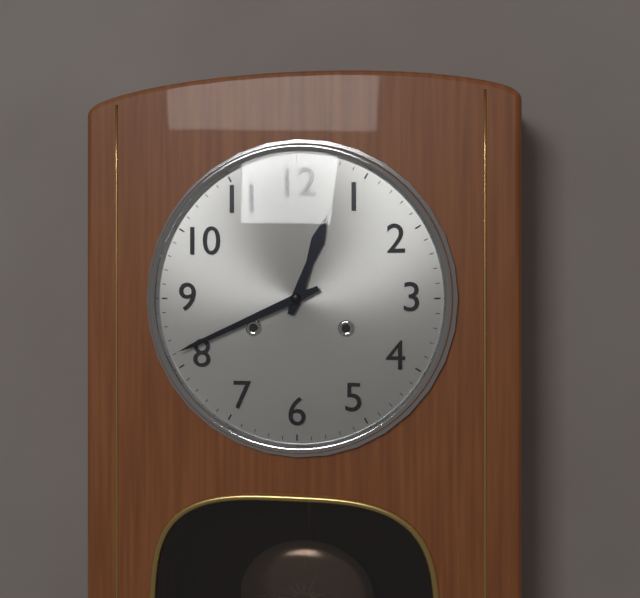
12:41
